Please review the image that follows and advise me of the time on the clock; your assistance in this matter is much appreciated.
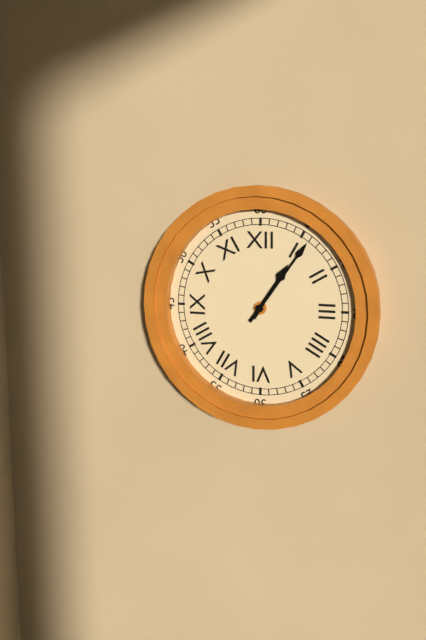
1:06
